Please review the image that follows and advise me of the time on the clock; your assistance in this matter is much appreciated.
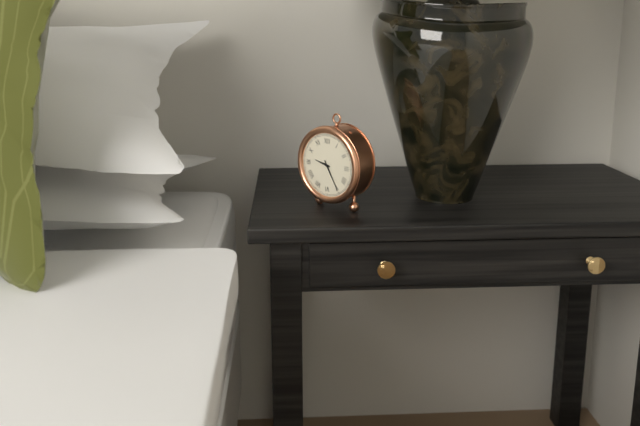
9:25
